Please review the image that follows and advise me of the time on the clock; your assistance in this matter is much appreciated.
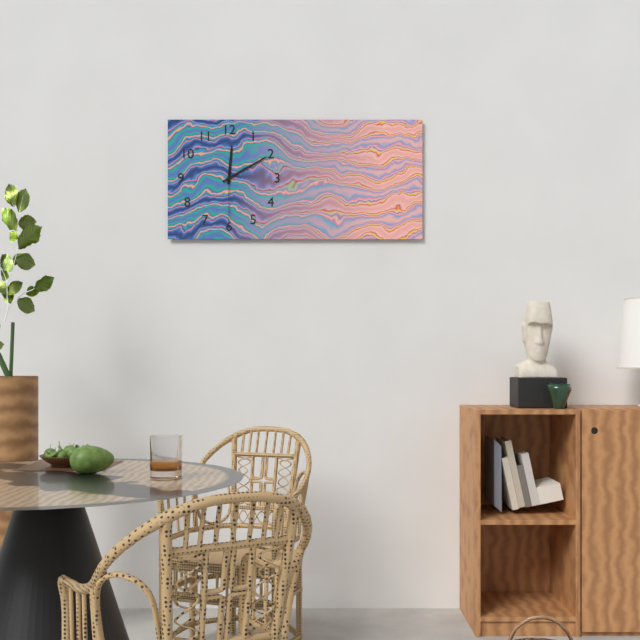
12:10:30
